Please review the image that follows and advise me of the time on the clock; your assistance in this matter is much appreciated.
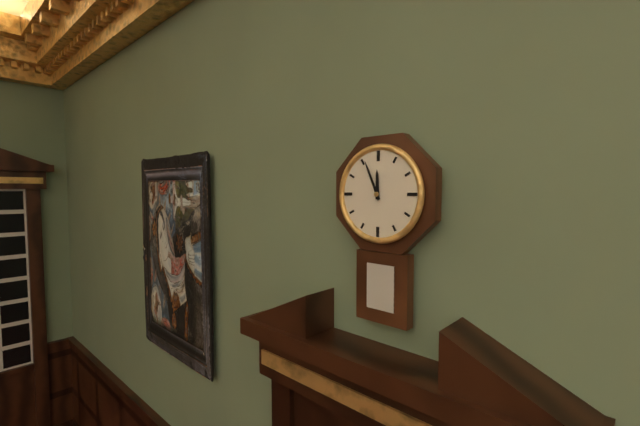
11:56
